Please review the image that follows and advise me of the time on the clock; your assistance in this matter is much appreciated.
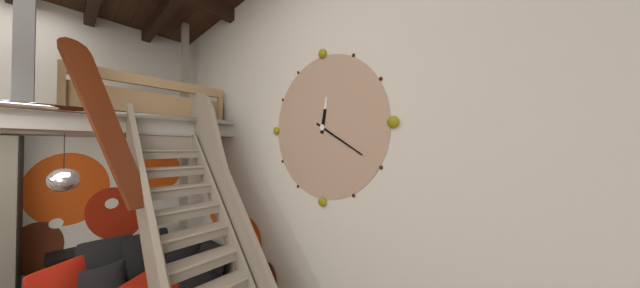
12:20
